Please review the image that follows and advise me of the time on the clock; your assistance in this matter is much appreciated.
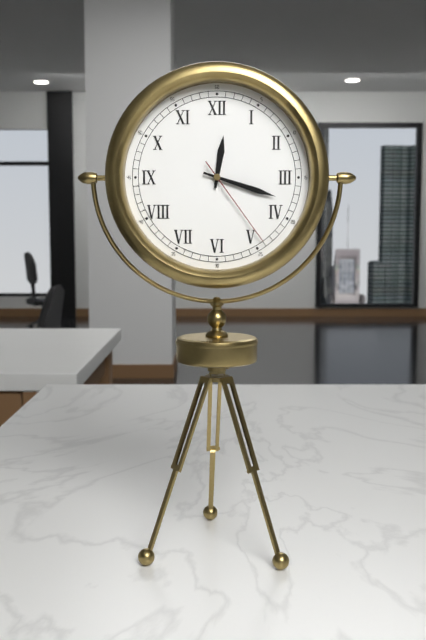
12:18:24
